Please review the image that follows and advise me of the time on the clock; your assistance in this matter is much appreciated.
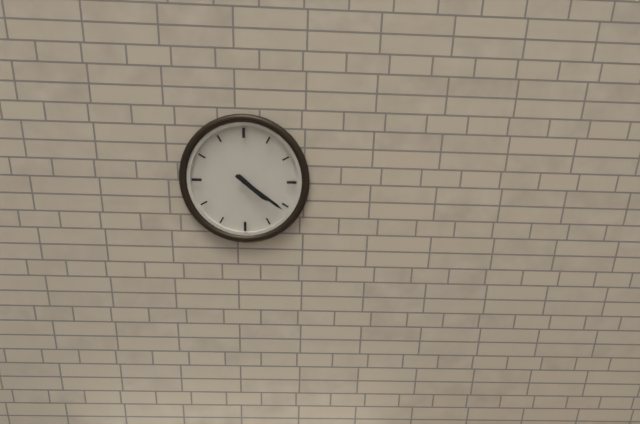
4:21
